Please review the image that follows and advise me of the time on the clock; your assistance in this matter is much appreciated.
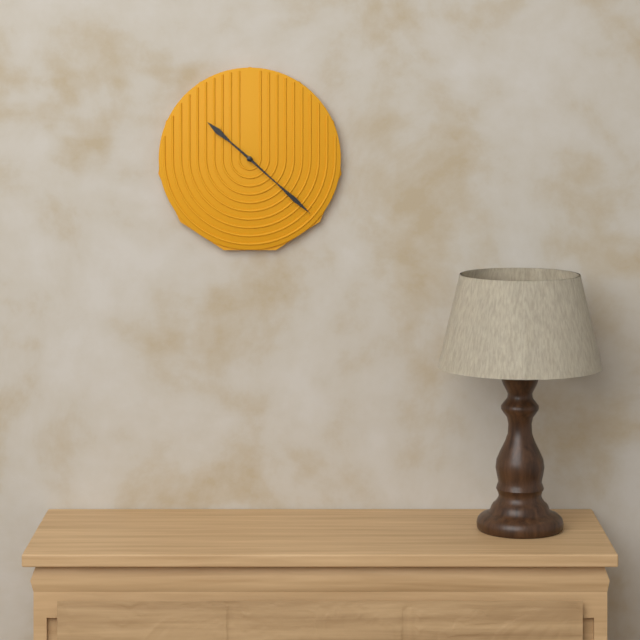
10:22
